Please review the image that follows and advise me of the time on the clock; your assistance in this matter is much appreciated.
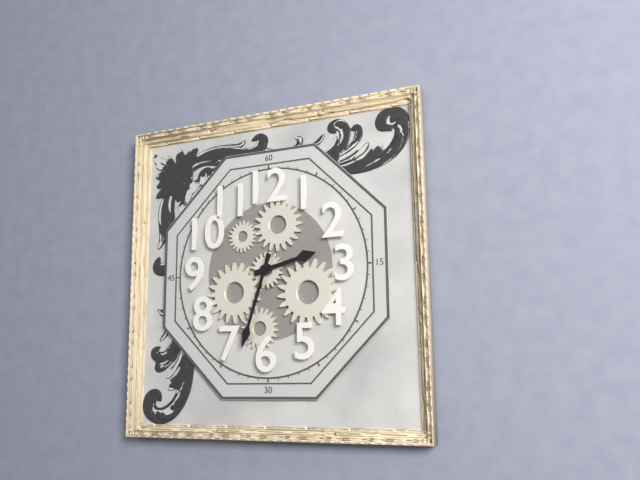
2:33
